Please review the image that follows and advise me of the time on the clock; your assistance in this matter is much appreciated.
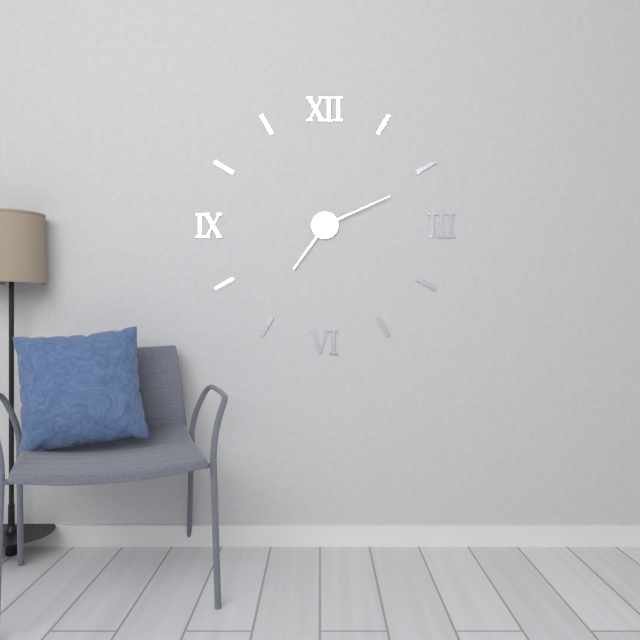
7:11
